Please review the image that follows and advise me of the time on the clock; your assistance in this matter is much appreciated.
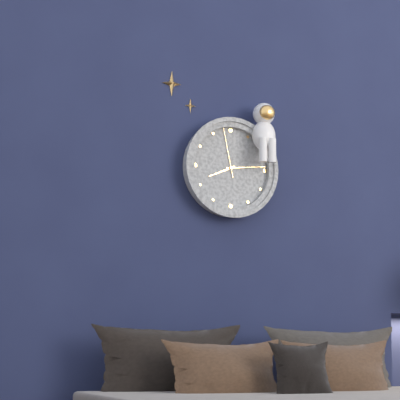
8:14:58
